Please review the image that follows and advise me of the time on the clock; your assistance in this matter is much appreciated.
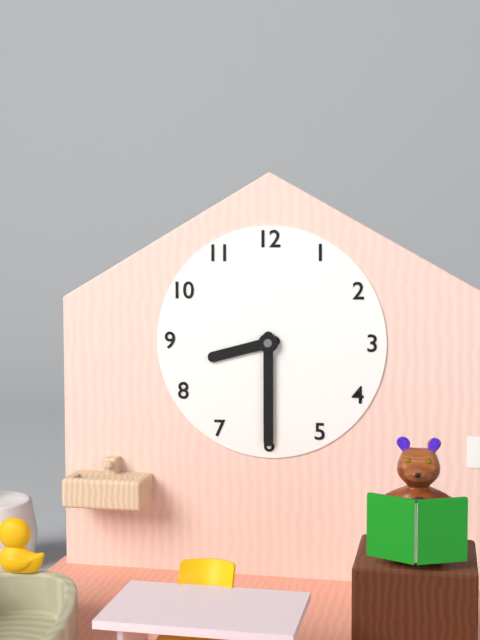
8:30
